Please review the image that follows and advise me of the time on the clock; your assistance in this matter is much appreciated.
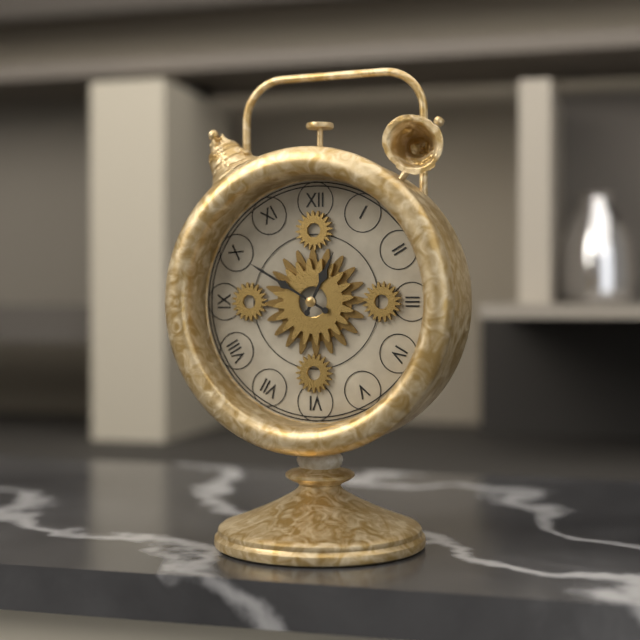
12:50
